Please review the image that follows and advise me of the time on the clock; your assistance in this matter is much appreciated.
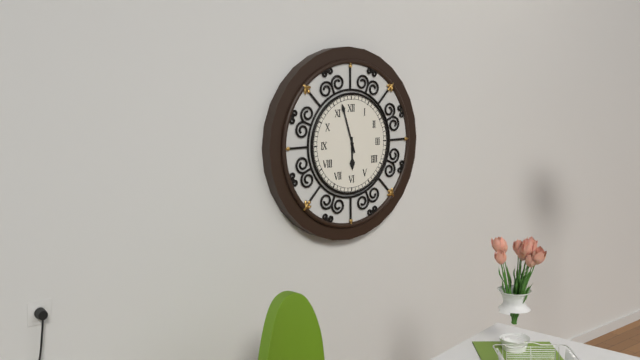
5:57
